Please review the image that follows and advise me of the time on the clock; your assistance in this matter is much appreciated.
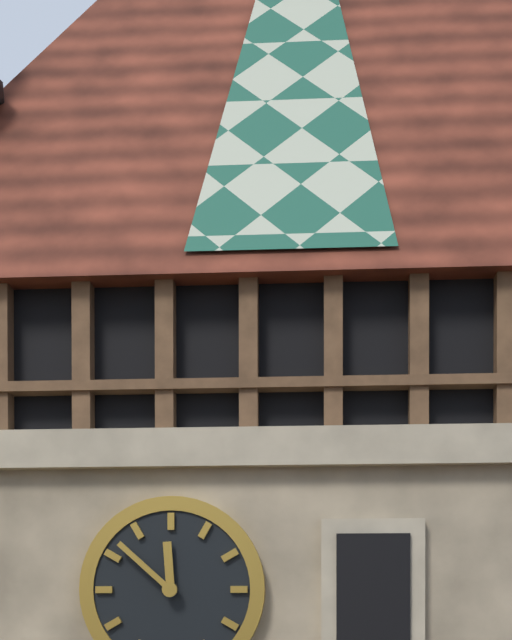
11:52
